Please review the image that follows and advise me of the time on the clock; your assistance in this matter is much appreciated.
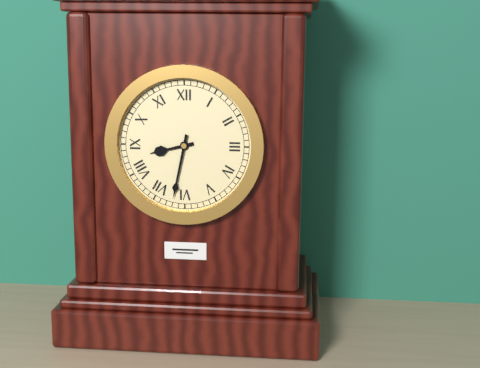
8:32
